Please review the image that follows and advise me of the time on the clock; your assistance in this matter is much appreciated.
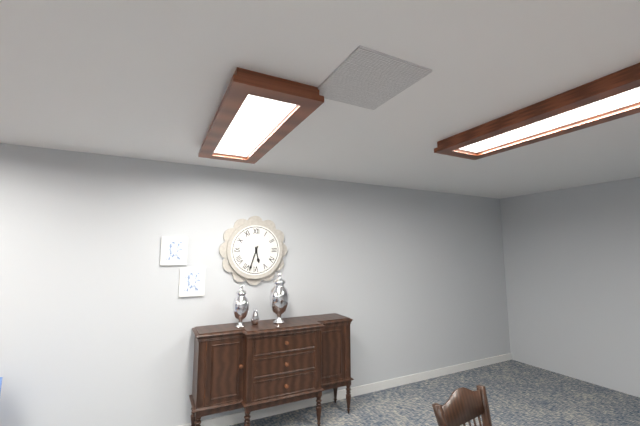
5:33
